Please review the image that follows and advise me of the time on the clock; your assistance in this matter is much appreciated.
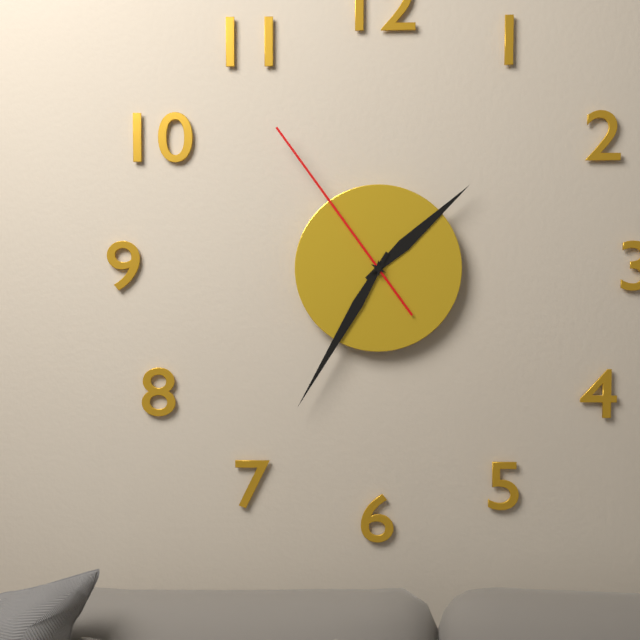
1:35:54
